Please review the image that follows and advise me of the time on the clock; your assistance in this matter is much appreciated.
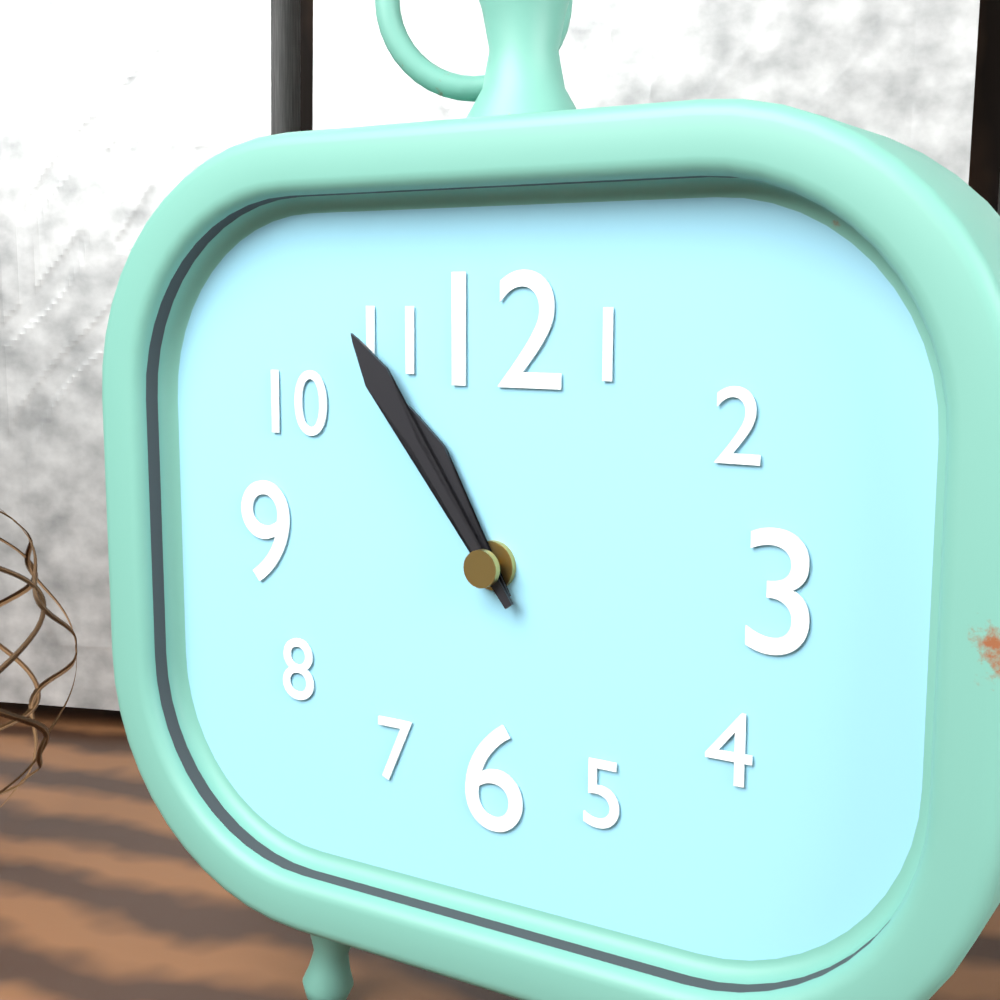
10:54
